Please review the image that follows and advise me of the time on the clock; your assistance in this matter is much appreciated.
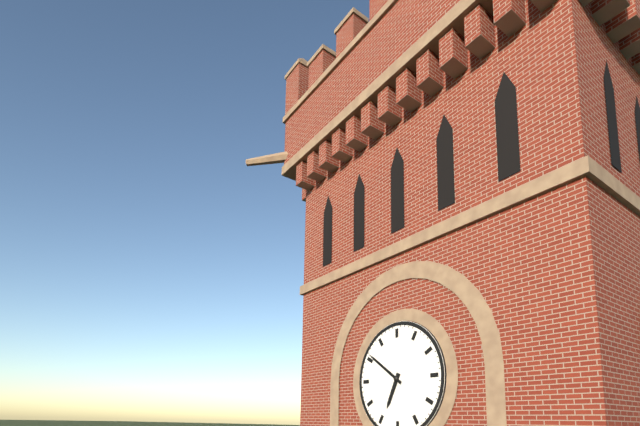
6:51
